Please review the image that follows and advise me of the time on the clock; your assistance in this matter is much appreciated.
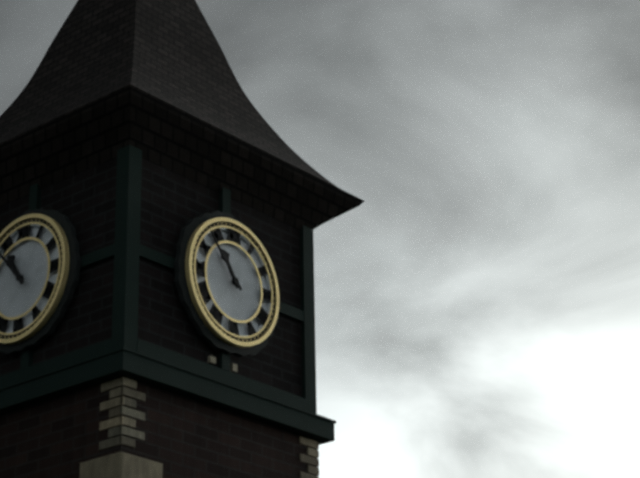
10:53
